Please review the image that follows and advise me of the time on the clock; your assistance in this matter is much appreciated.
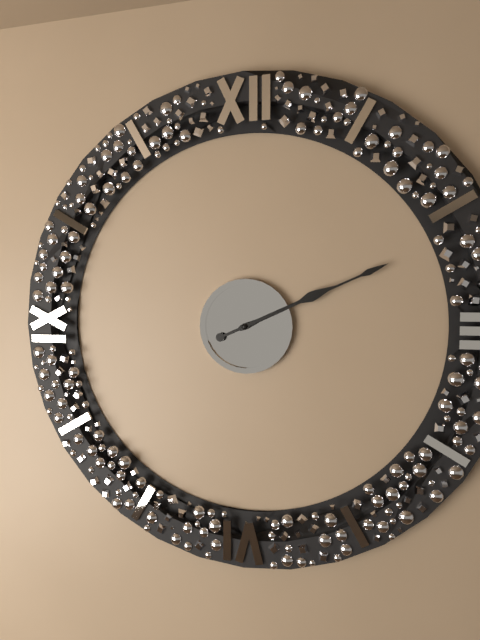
2:11
